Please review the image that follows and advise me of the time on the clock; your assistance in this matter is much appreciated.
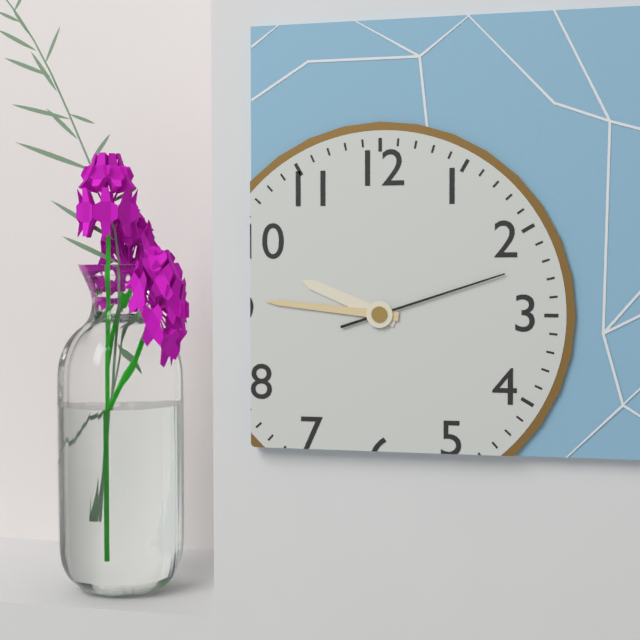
9:46:12
